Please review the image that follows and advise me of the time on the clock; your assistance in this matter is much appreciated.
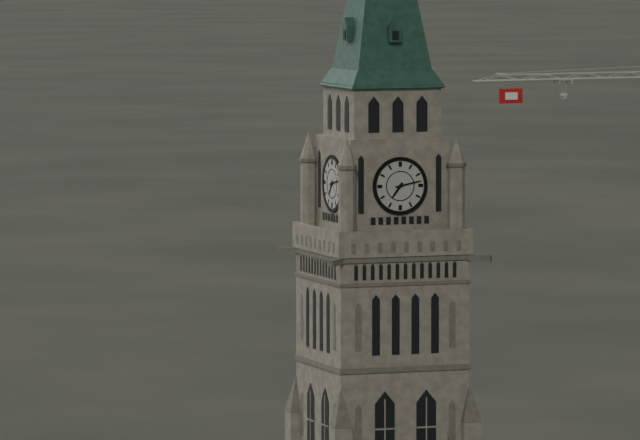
7:13
